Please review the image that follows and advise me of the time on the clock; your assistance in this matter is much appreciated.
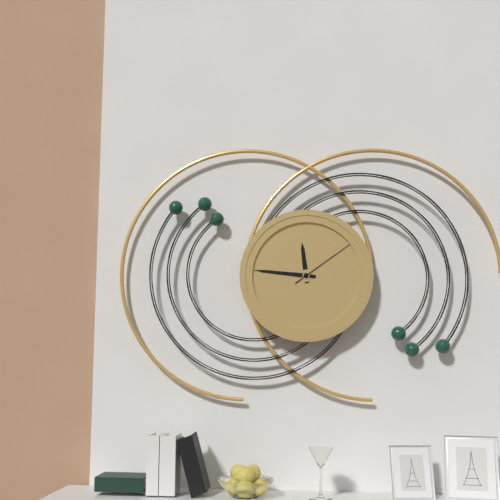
11:46:09
